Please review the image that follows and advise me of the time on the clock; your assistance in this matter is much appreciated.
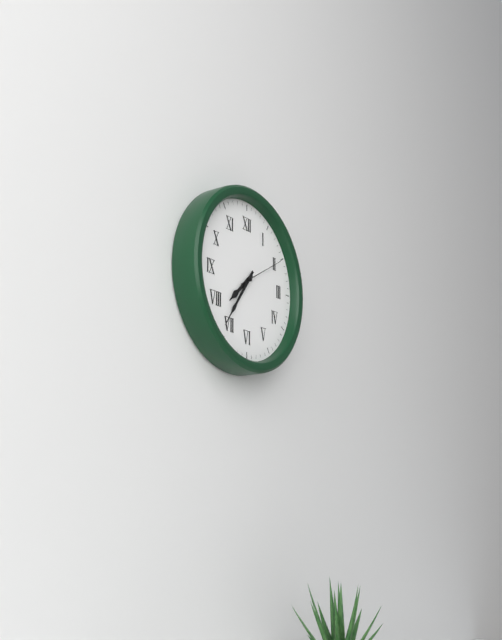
7:36
